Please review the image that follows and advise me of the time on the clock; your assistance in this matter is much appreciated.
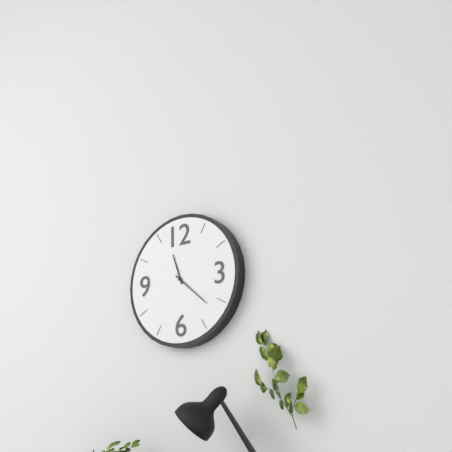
11:22
